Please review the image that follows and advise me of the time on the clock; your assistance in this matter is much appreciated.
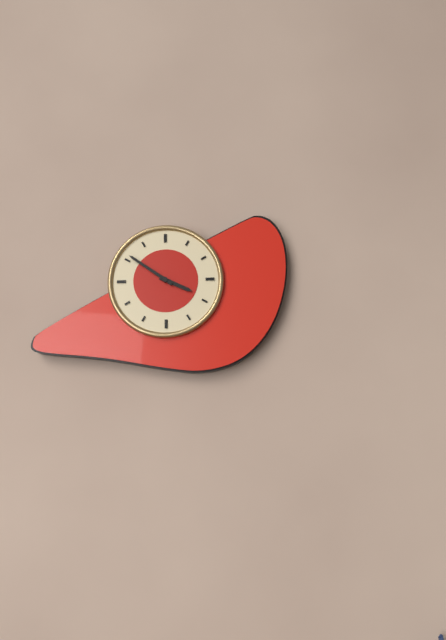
3:51
